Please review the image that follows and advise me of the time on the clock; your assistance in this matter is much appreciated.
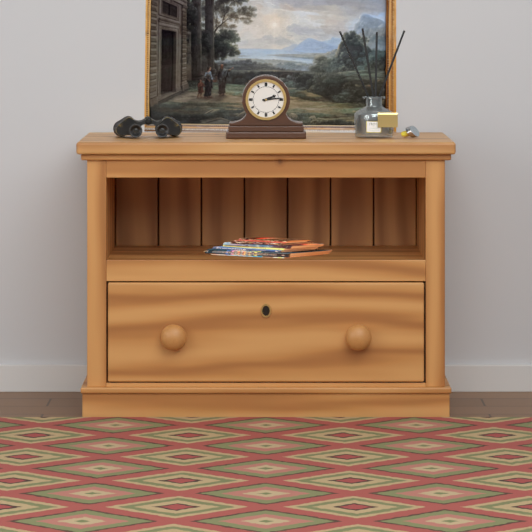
2:14
